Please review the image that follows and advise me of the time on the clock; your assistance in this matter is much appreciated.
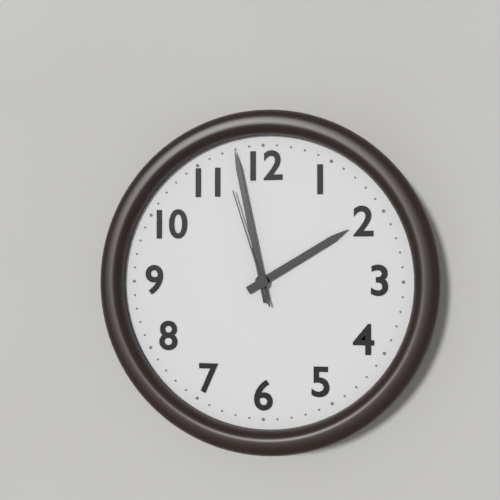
1:58:57
